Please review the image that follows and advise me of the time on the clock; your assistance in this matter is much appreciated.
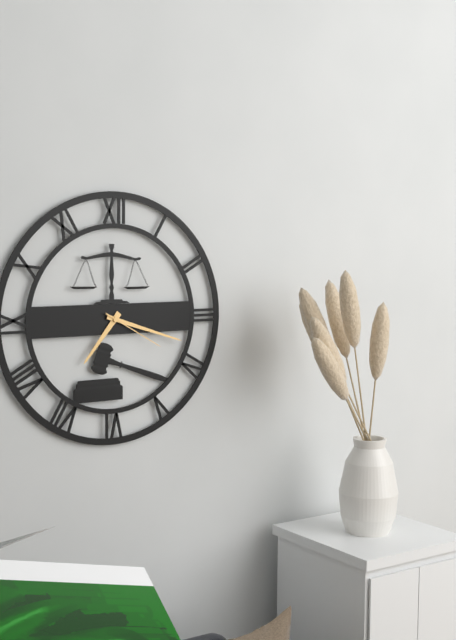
7:18:20
